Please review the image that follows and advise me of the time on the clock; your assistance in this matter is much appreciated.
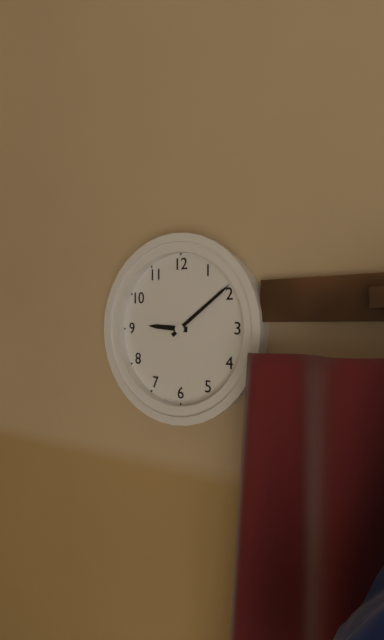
9:09
